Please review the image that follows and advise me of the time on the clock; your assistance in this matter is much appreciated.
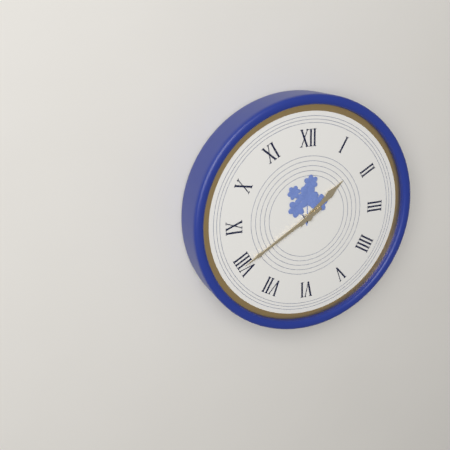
1:40
